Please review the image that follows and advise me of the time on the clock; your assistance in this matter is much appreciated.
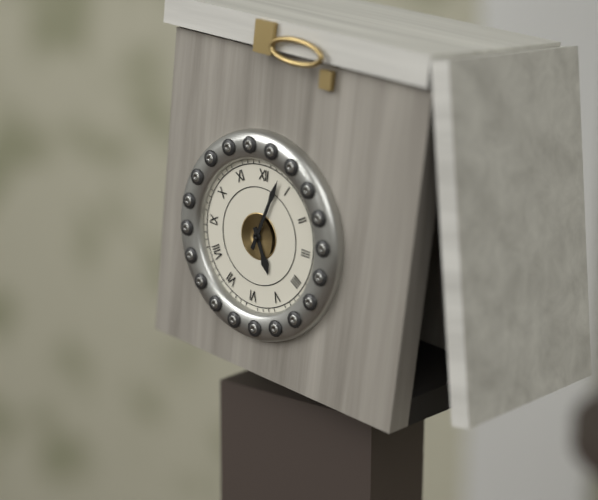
5:03
